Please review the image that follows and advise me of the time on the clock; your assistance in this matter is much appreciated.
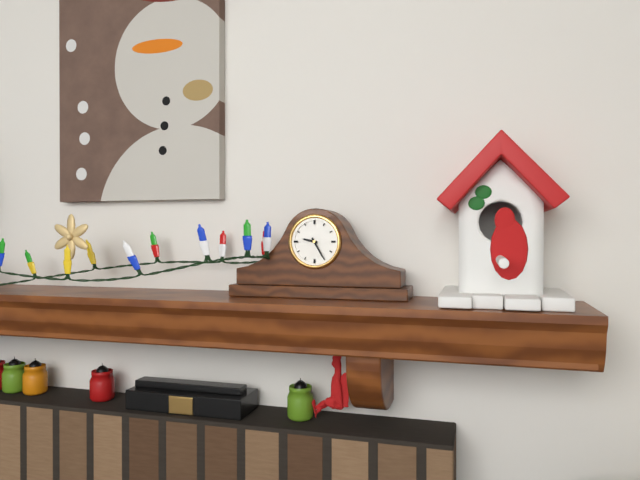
9:25
